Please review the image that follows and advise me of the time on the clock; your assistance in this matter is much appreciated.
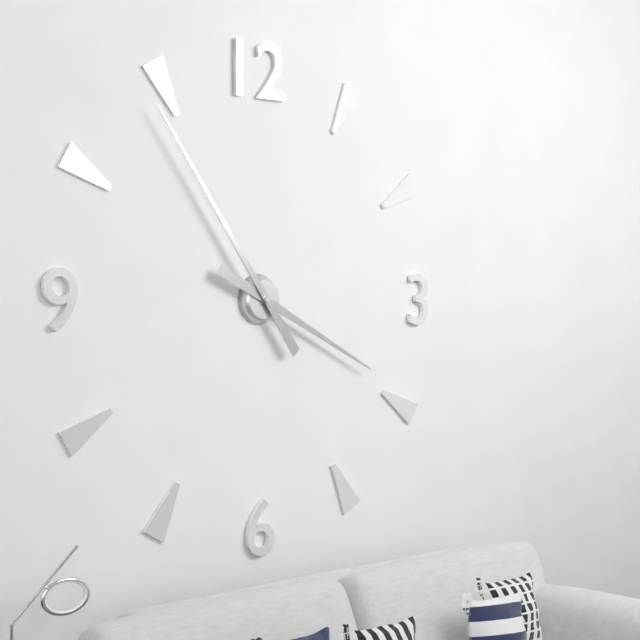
3:54
